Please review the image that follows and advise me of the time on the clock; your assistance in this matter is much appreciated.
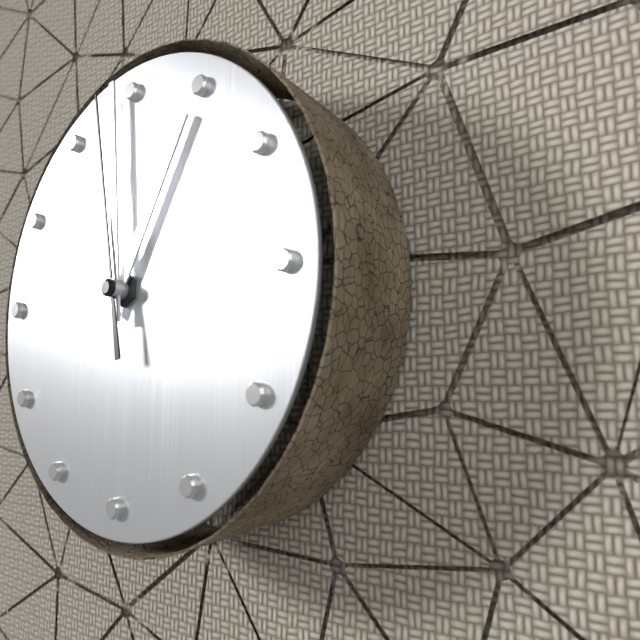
12:59:58
